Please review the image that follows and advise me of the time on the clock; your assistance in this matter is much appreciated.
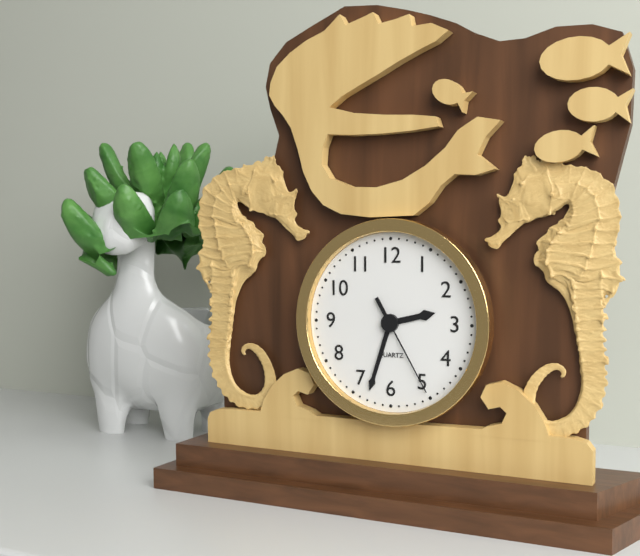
2:33:25
